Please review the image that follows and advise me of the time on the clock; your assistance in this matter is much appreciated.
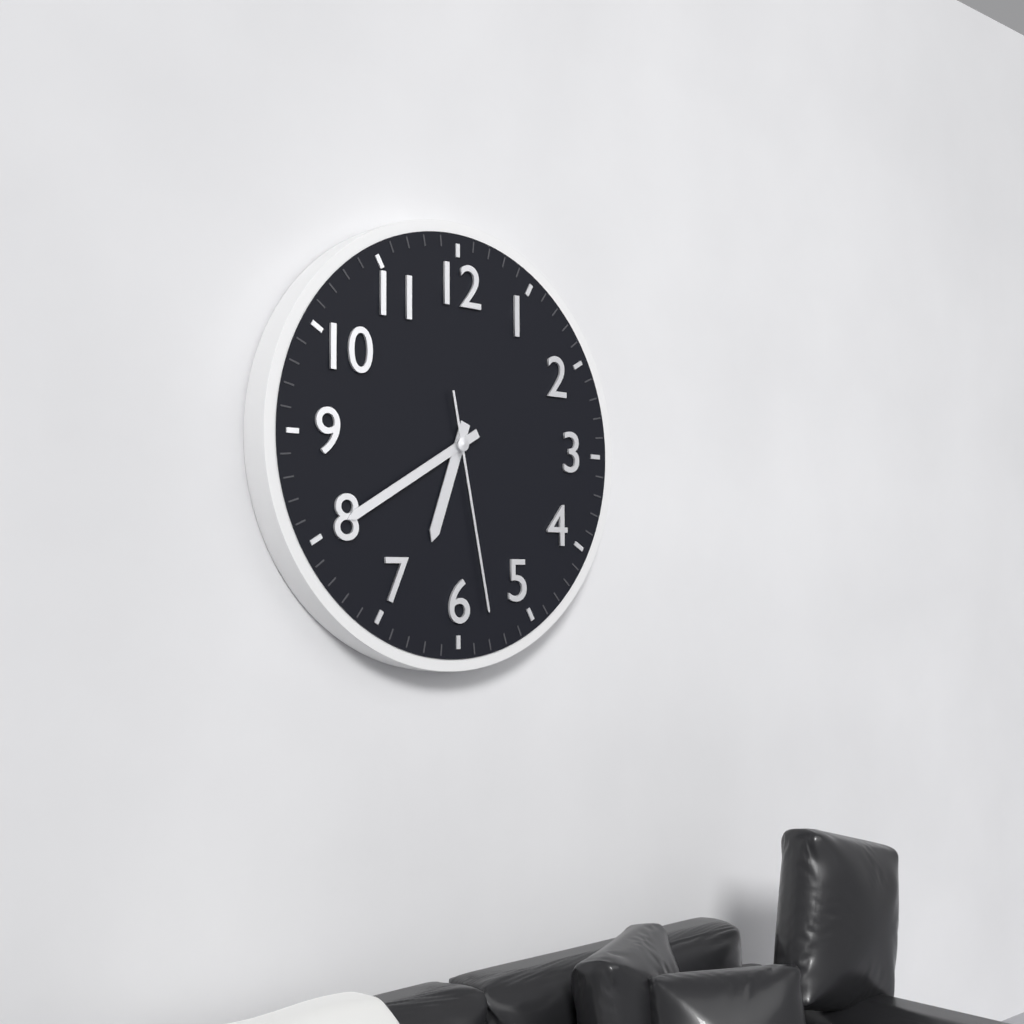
6:40:28
